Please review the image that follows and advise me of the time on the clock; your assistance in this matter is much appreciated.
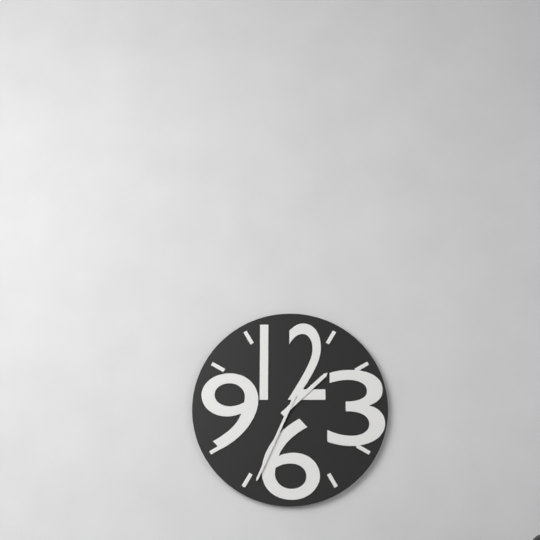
1:34
